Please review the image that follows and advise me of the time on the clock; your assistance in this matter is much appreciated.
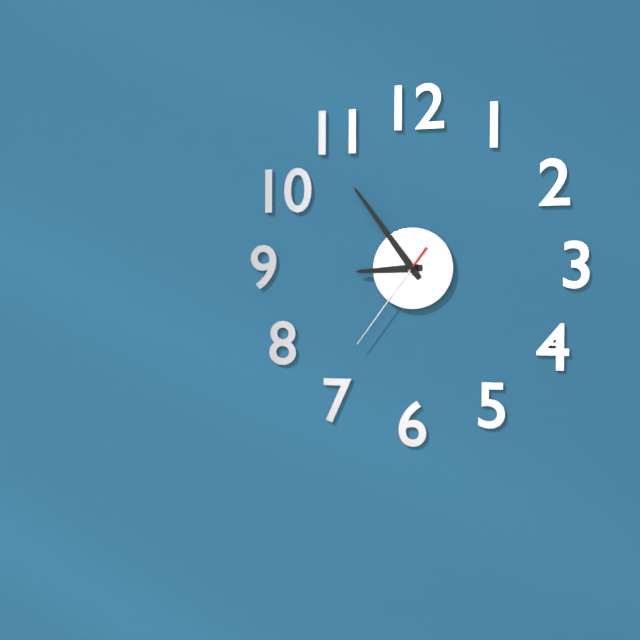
8:54:36
